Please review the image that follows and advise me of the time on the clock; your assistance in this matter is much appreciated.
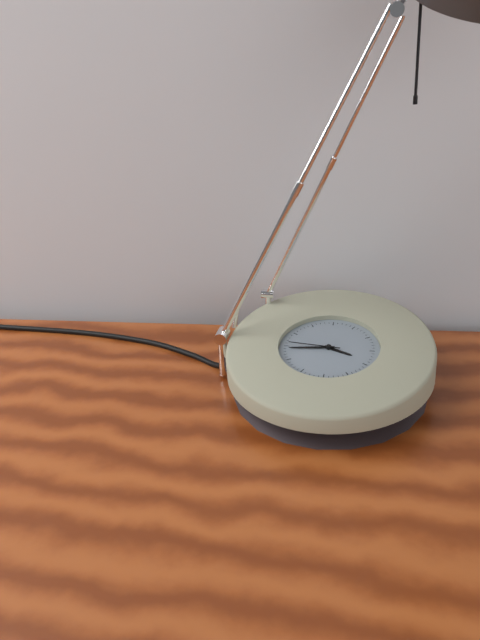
3:44:46
